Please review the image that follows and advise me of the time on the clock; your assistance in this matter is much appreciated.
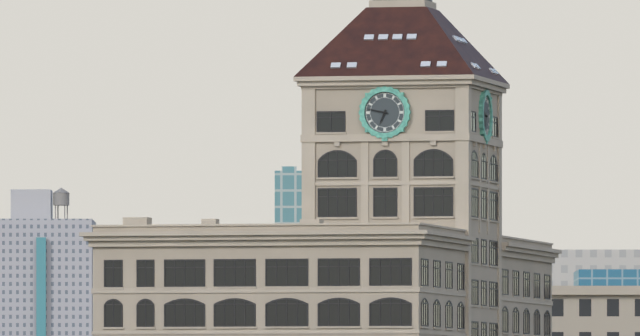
6:47
